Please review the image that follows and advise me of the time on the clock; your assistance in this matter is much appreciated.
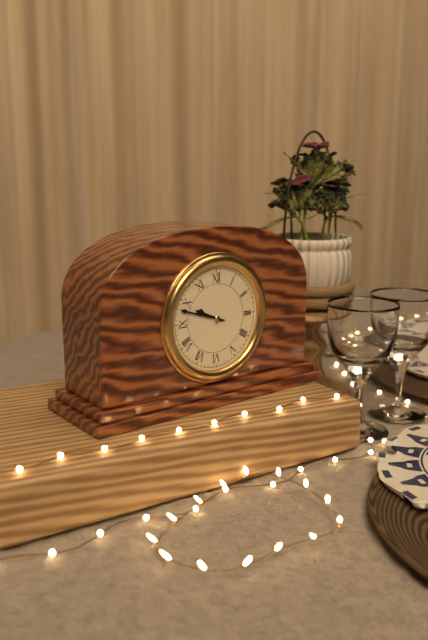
9:48
